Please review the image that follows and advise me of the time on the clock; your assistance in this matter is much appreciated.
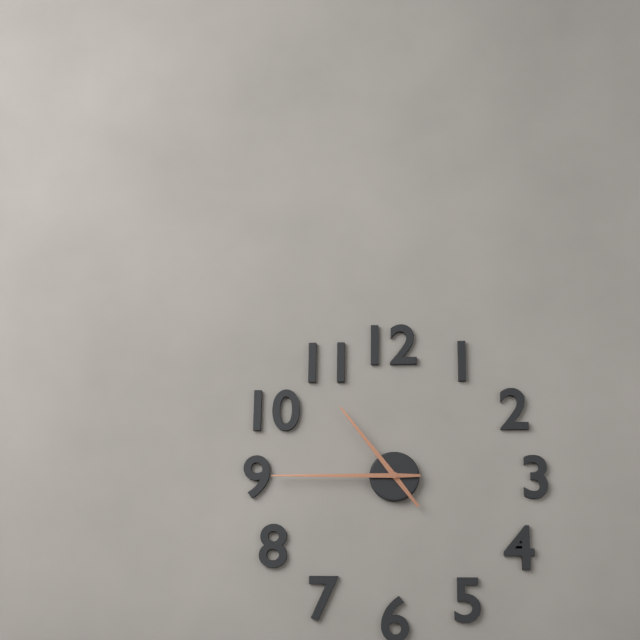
10:45
